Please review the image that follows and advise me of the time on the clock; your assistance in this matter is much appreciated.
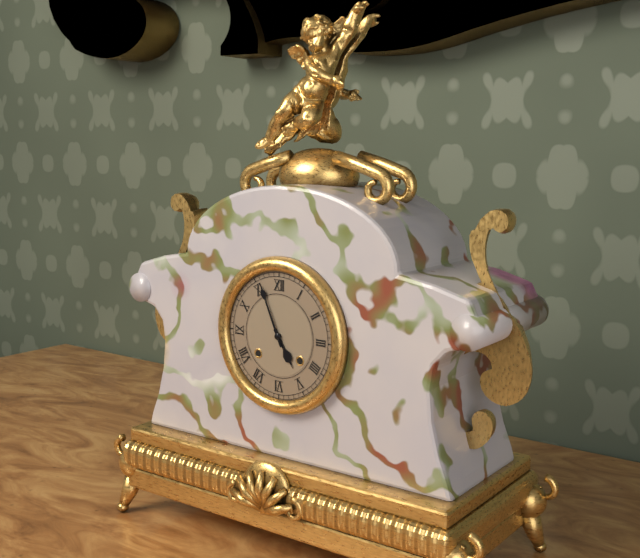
4:56
